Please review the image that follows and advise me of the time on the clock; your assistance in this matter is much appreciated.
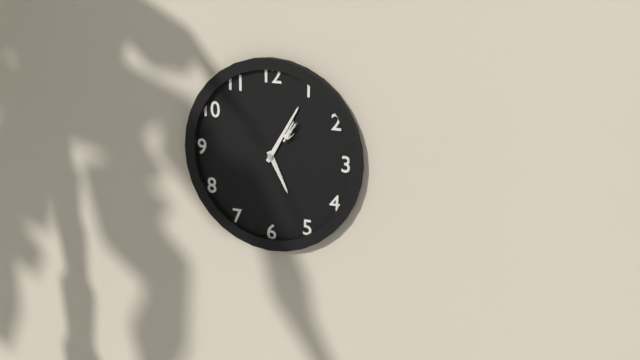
5:05
